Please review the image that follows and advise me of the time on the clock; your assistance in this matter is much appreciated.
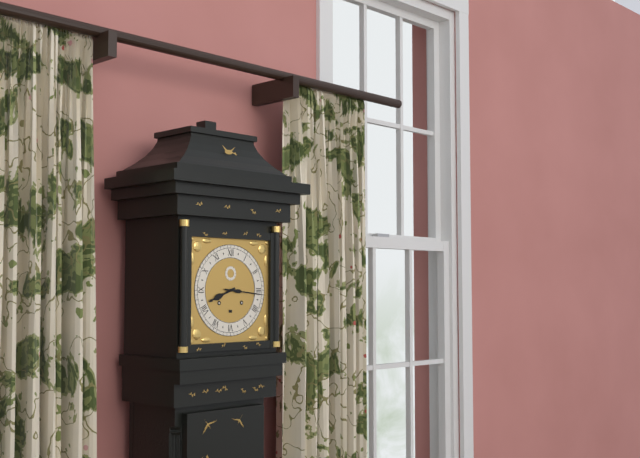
8:16
